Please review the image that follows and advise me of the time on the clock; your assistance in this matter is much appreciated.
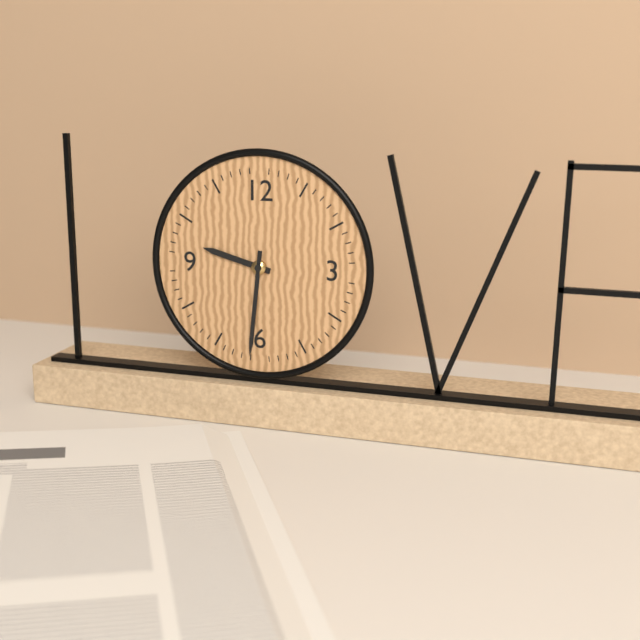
9:31
